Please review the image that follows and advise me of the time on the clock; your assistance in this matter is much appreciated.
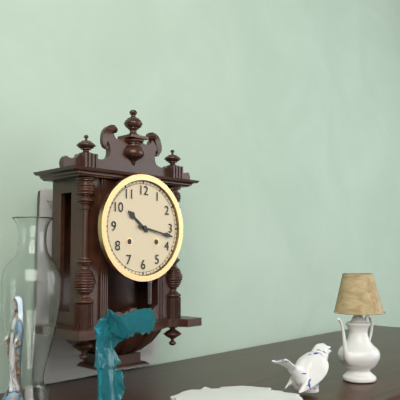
10:17
